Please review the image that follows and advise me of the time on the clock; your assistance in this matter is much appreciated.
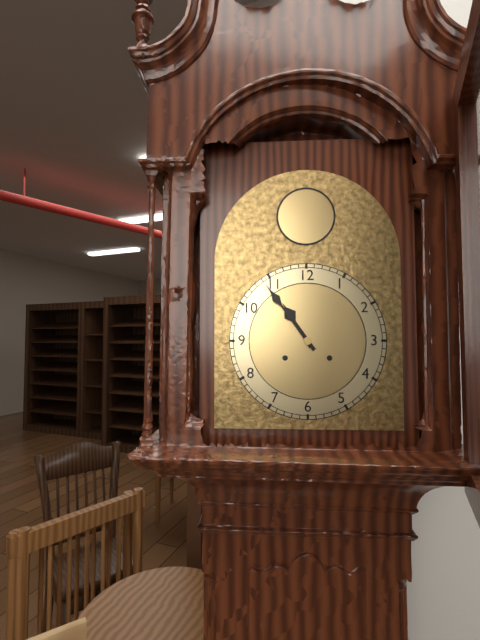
10:54
